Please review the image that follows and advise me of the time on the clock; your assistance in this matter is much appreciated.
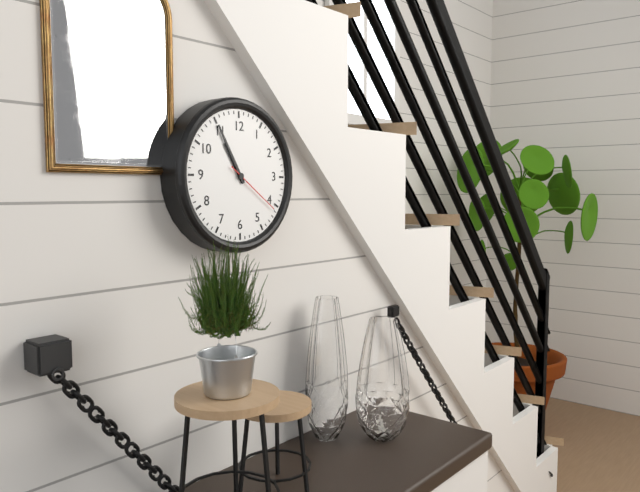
10:55:21
